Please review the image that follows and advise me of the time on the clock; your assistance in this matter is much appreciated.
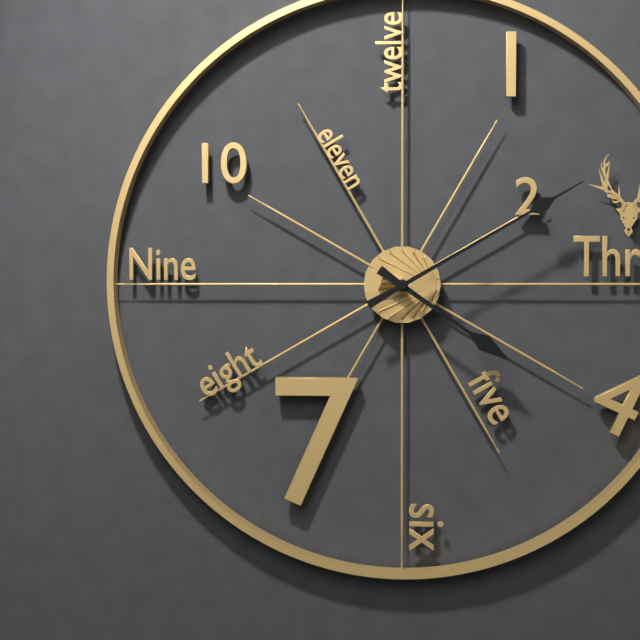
4:10
